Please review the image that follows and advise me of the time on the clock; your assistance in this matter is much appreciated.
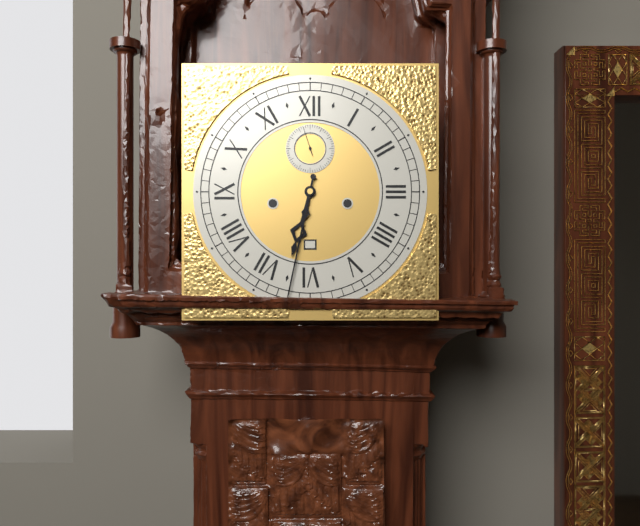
6:32
